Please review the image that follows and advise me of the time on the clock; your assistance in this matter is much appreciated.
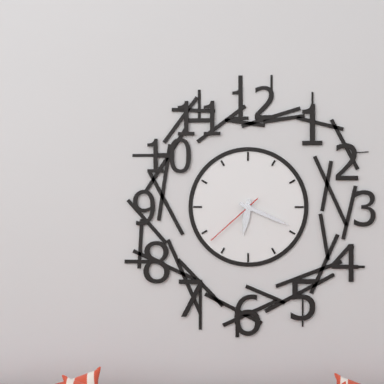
6:19:38
